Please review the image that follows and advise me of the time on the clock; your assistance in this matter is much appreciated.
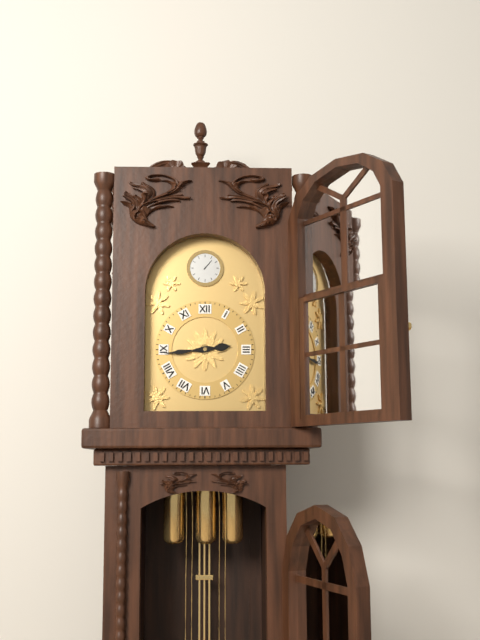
2:44
